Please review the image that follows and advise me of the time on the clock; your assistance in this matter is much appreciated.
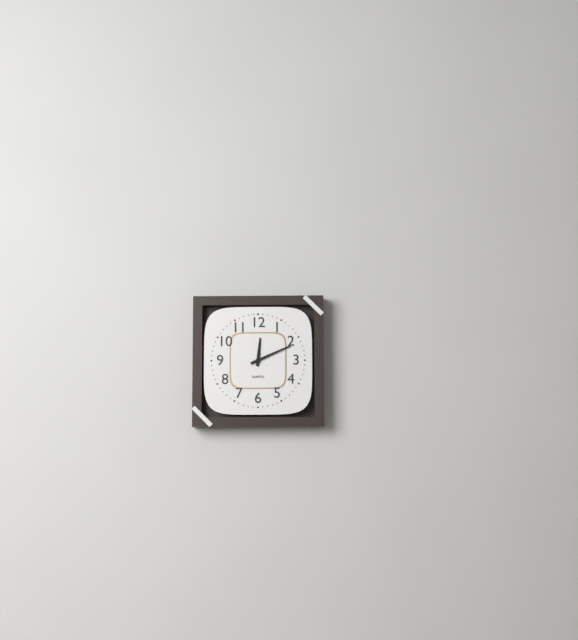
12:11
